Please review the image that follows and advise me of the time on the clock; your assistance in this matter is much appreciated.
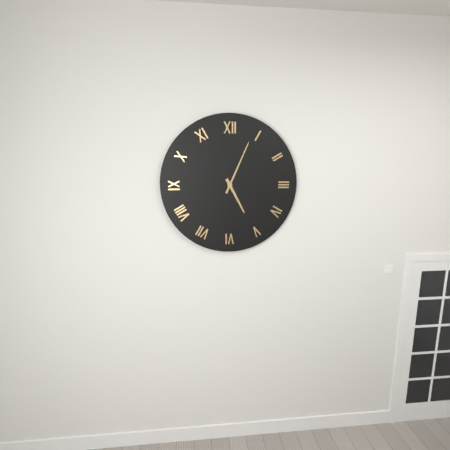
5:04
